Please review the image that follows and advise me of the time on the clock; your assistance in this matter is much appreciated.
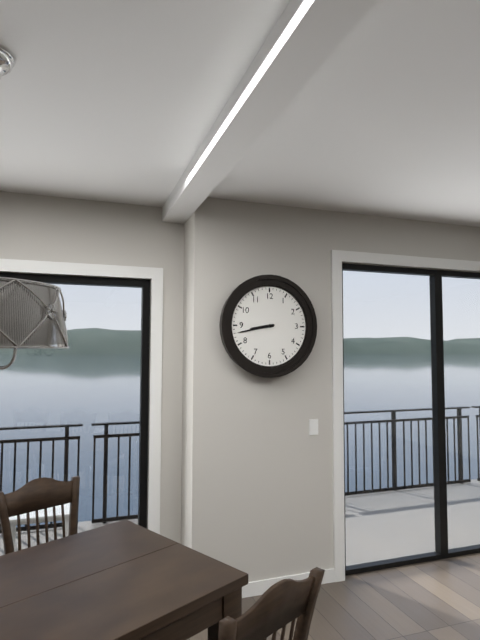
8:43
